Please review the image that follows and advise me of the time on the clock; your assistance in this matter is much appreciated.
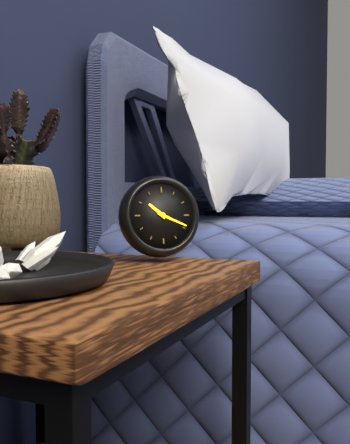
10:19
